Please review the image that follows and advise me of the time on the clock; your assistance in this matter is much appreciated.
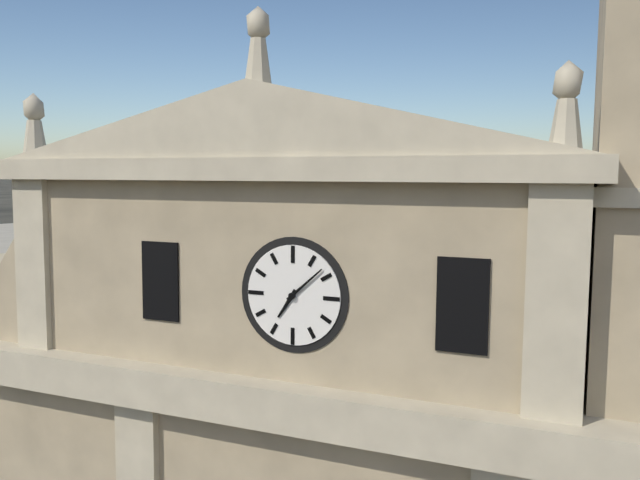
7:08
